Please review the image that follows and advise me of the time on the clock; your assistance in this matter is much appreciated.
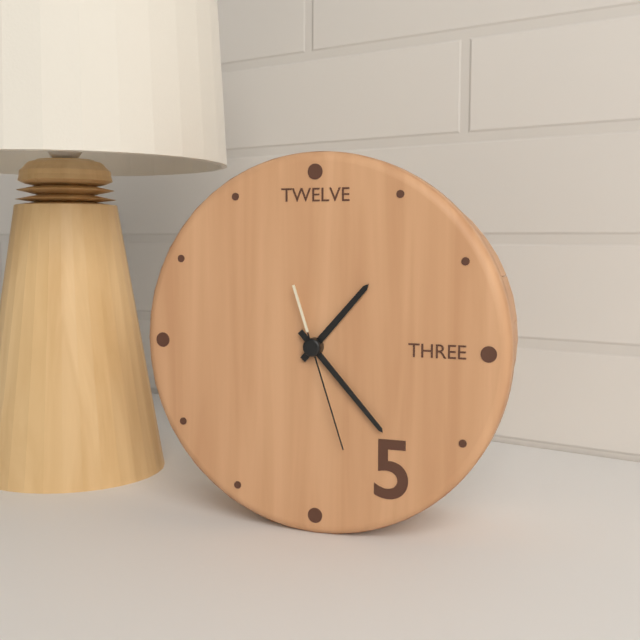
1:23:27
